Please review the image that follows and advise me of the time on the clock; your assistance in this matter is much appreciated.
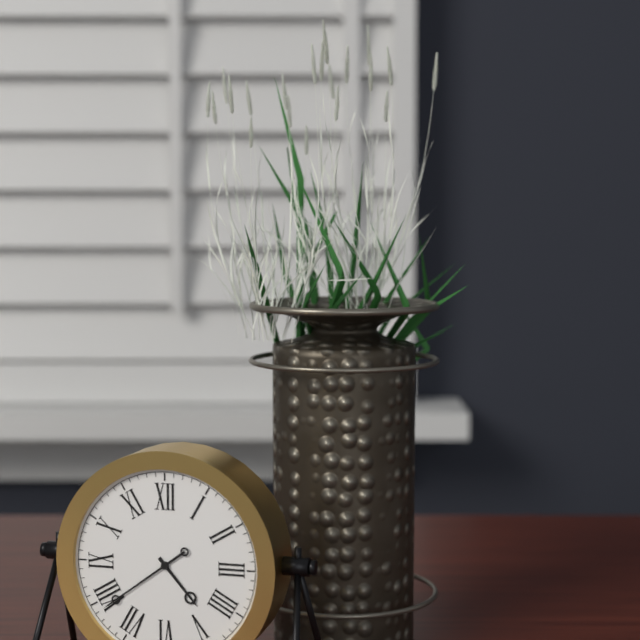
4:39
